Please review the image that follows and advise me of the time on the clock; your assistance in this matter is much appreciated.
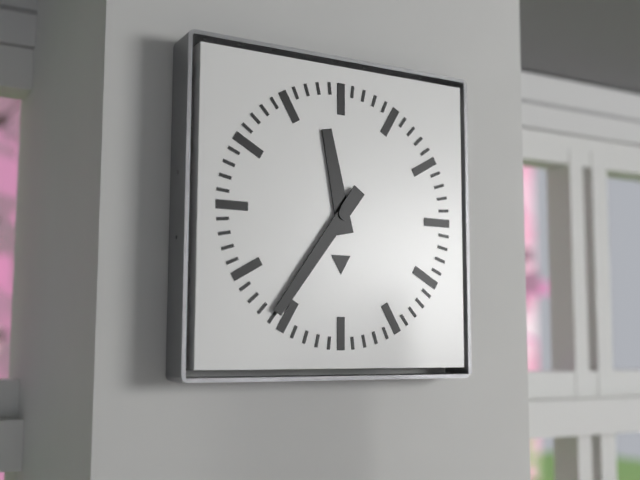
11:36
